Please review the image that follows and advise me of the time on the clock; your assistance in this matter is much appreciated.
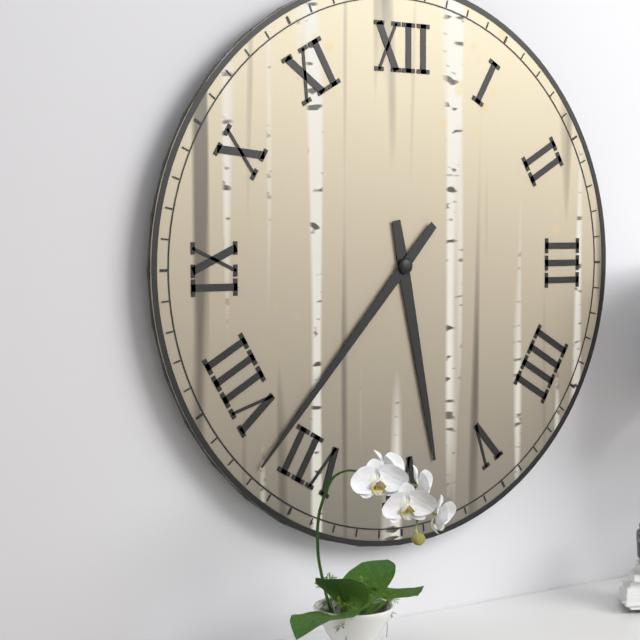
5:37
